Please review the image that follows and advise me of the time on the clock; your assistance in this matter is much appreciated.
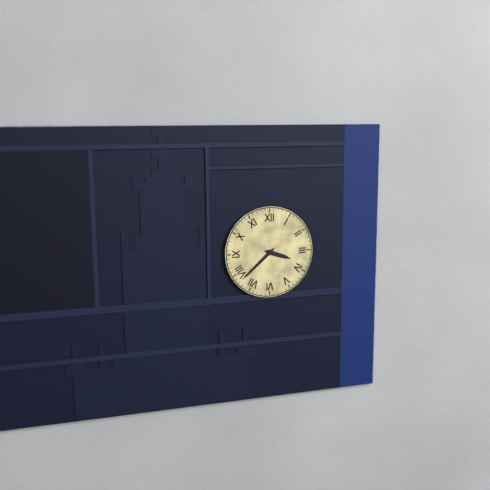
3:38
